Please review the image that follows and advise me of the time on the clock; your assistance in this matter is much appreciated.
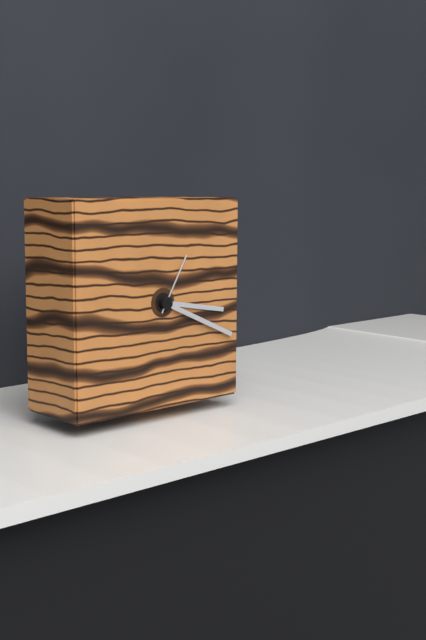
3:19:05
